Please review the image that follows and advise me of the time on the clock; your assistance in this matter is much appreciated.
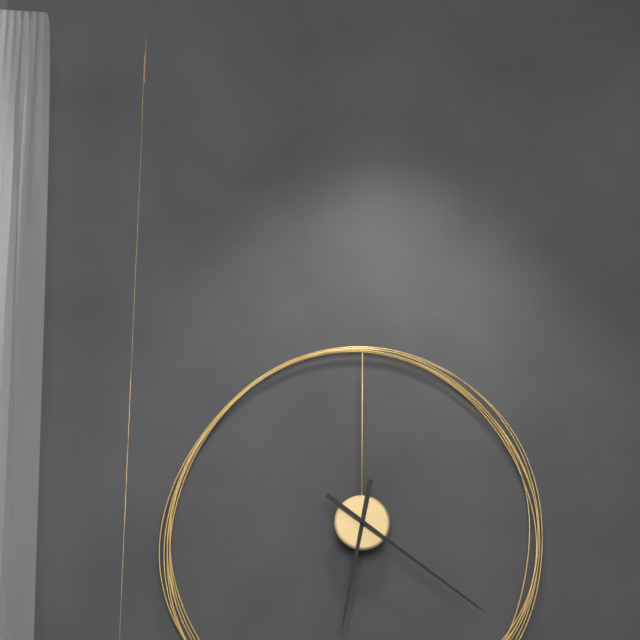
6:21
